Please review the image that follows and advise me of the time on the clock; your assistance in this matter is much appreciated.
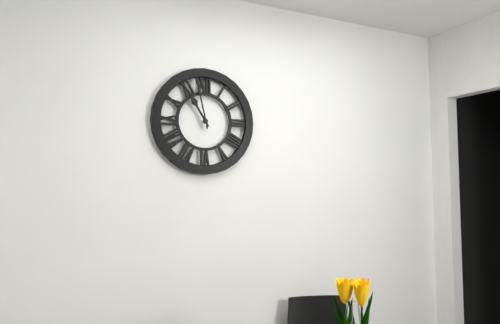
10:58
